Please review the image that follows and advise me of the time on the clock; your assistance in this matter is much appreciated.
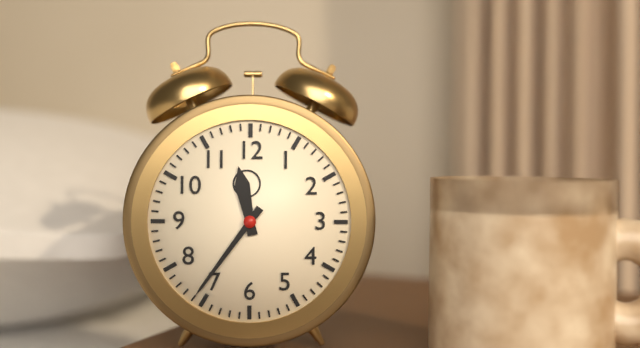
11:36
